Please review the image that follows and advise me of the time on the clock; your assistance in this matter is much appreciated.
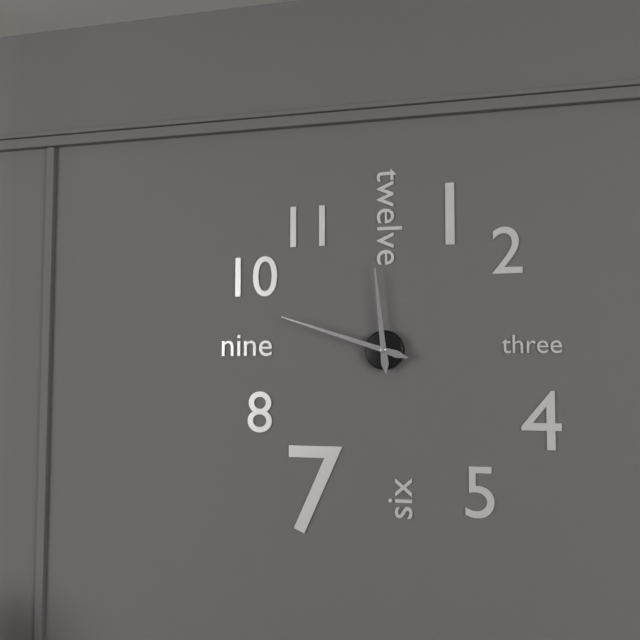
11:48
